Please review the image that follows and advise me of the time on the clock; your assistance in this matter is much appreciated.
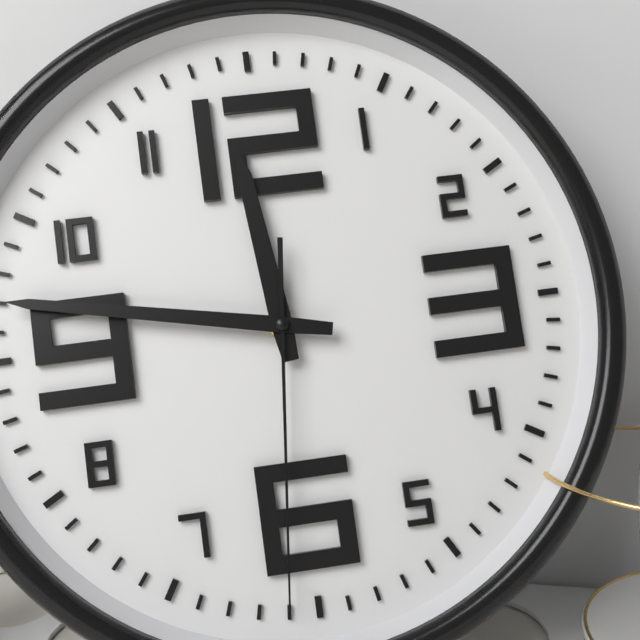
11:47:31
